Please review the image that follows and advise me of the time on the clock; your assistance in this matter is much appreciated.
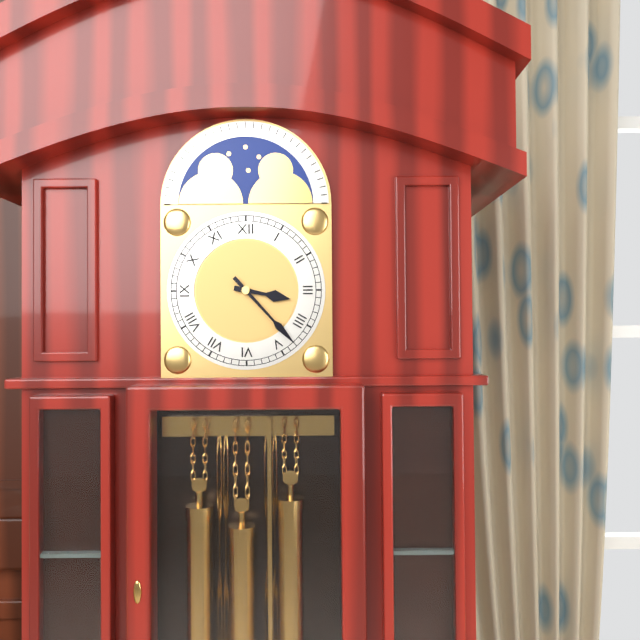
3:23
